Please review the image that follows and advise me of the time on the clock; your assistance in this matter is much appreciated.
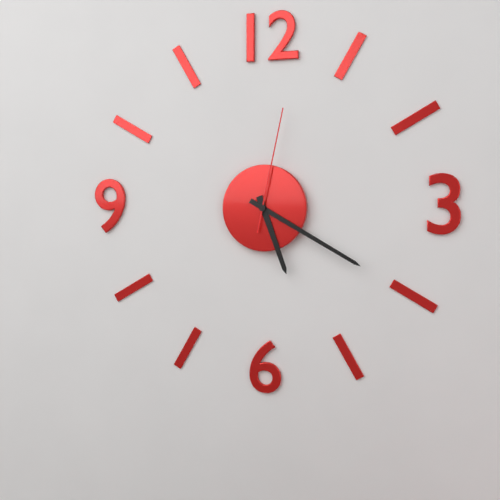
5:20:02
